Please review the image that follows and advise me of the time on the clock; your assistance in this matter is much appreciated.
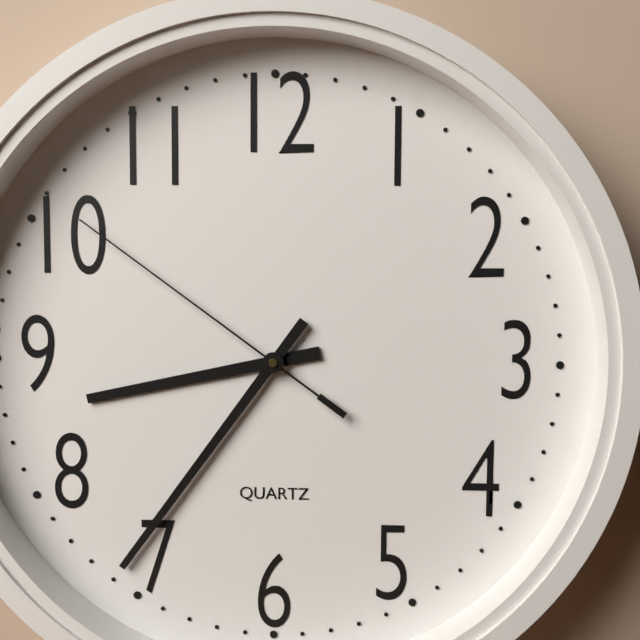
8:36:51
